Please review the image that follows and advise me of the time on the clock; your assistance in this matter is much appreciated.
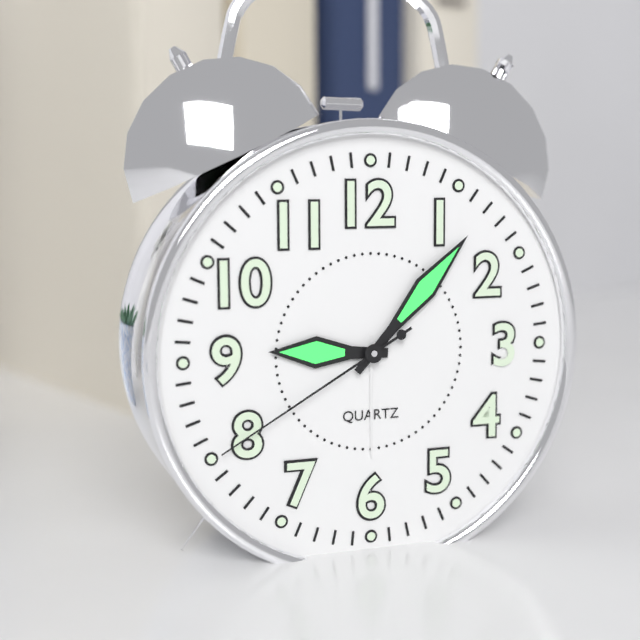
9:07:40
